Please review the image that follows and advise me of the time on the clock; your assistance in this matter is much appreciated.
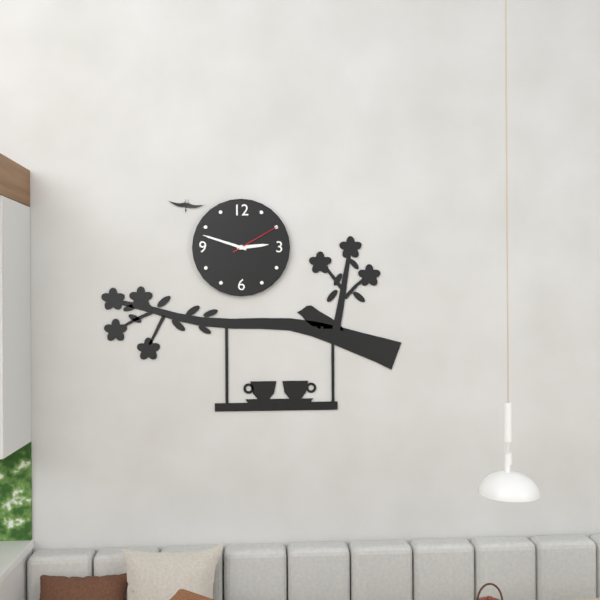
2:48:10
